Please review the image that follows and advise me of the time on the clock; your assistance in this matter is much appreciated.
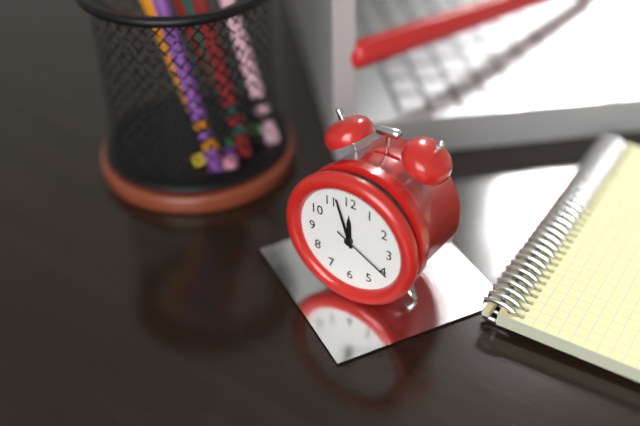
11:57:20
